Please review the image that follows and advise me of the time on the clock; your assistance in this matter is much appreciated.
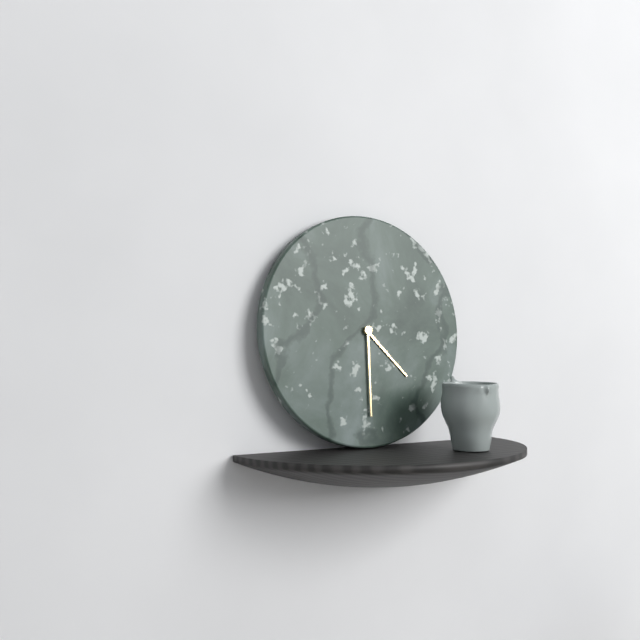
4:30
